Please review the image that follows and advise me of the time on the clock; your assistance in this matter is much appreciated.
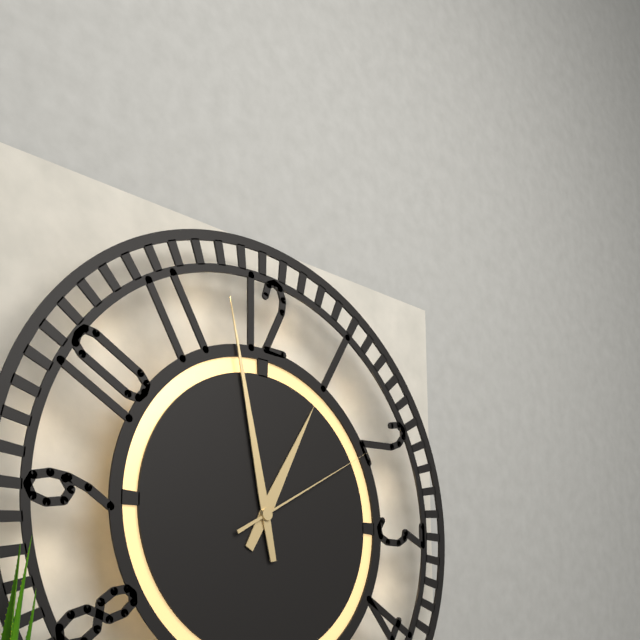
12:58:10
